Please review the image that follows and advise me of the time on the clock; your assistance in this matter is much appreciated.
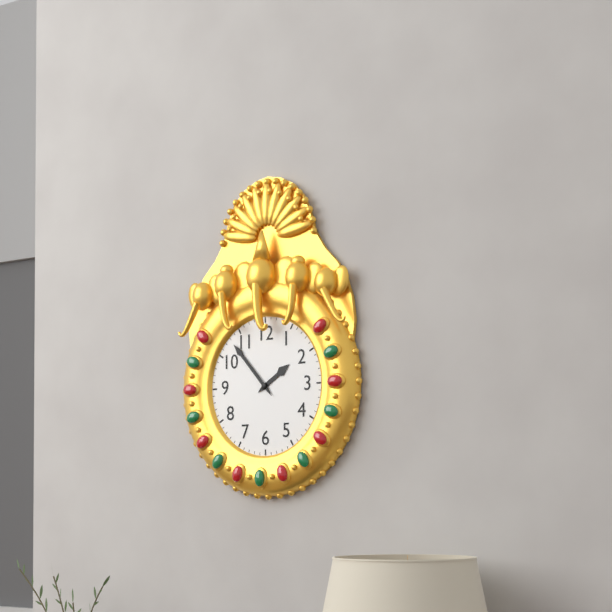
1:53
